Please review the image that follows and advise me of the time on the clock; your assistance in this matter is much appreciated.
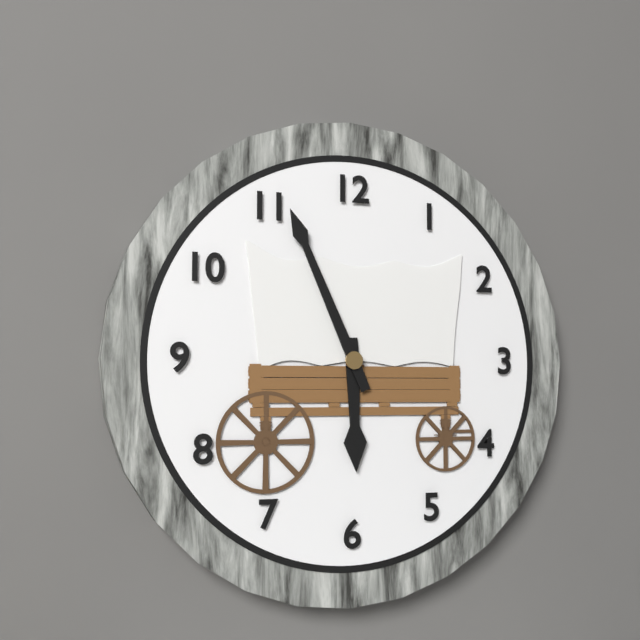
5:56
